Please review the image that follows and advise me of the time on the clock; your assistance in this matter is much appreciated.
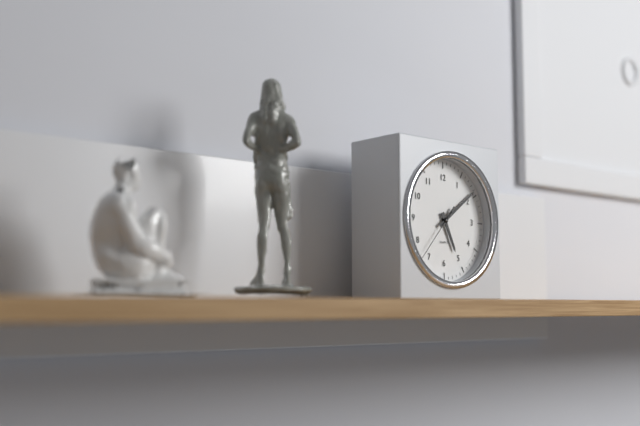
5:09:37
